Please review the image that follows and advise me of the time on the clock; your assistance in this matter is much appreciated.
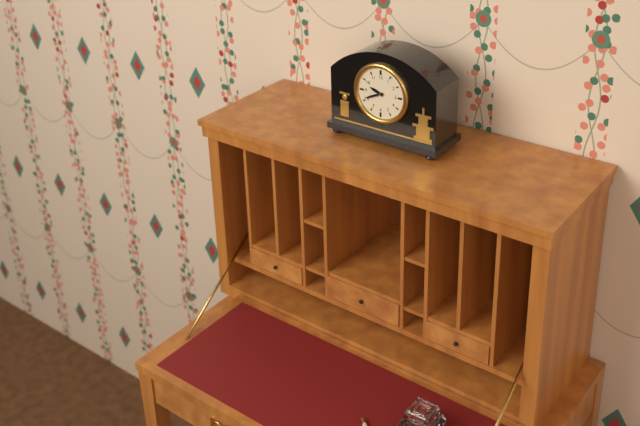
9:41
